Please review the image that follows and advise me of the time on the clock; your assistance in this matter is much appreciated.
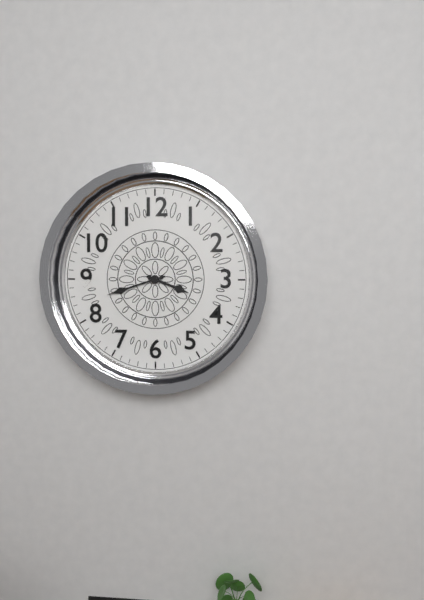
3:42
